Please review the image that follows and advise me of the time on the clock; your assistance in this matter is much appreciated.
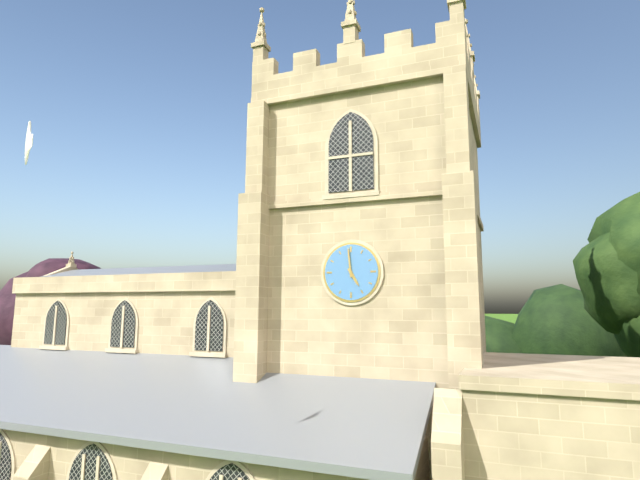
4:59
